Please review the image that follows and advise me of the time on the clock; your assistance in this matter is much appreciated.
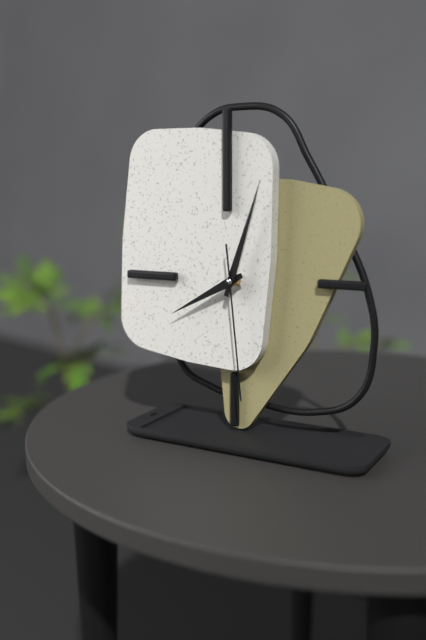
8:03:29
